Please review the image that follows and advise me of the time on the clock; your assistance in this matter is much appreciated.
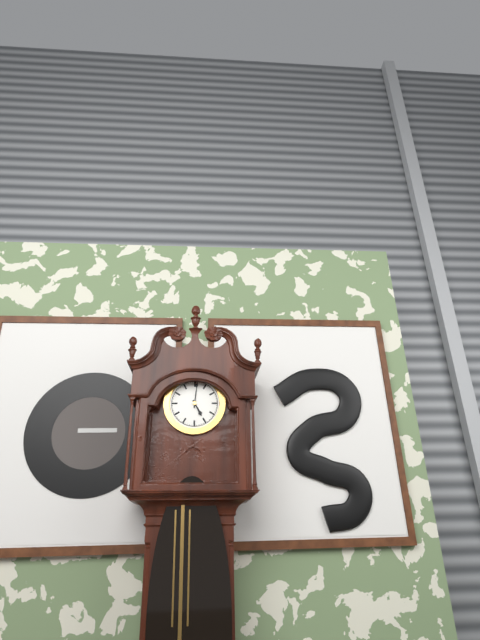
5:01
